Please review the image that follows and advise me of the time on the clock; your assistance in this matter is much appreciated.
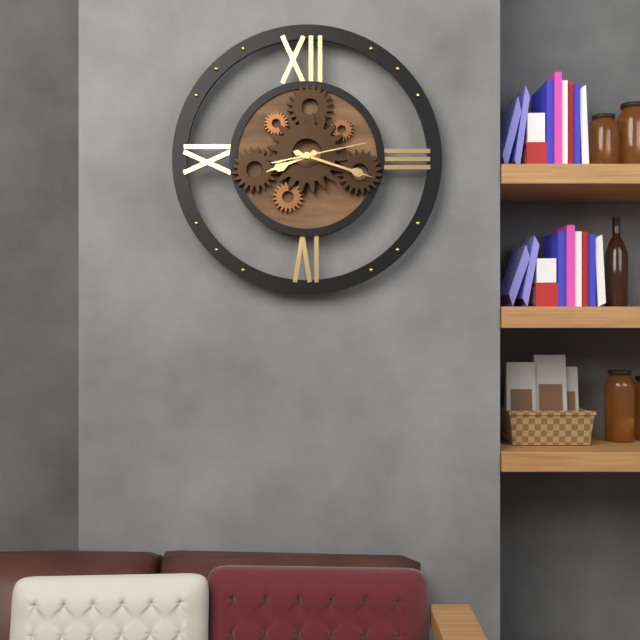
8:18:13
